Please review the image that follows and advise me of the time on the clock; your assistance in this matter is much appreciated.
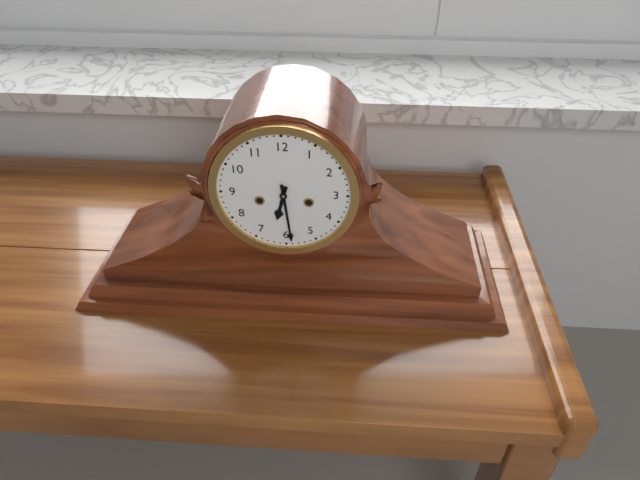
6:29
